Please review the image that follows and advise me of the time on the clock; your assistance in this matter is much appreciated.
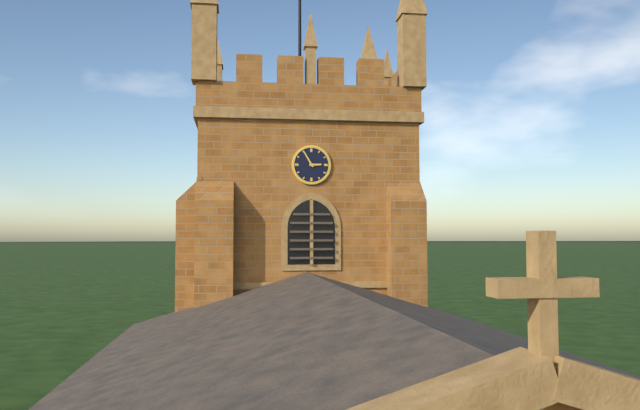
2:55
